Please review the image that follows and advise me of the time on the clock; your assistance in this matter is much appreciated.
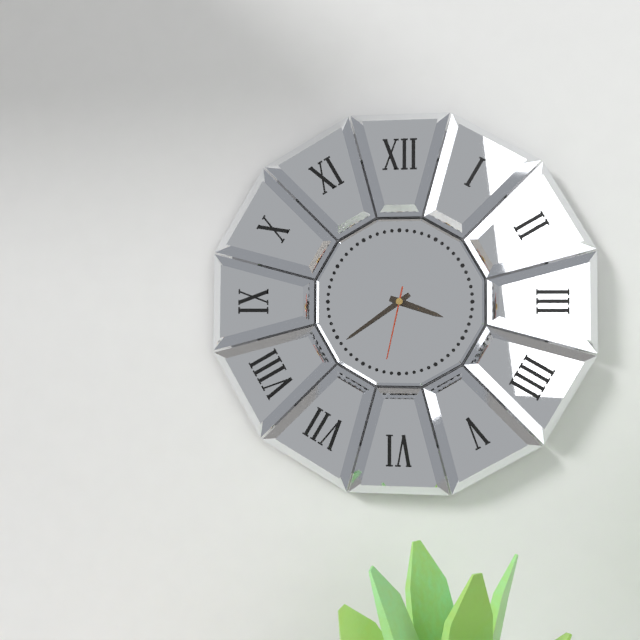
3:39:32
